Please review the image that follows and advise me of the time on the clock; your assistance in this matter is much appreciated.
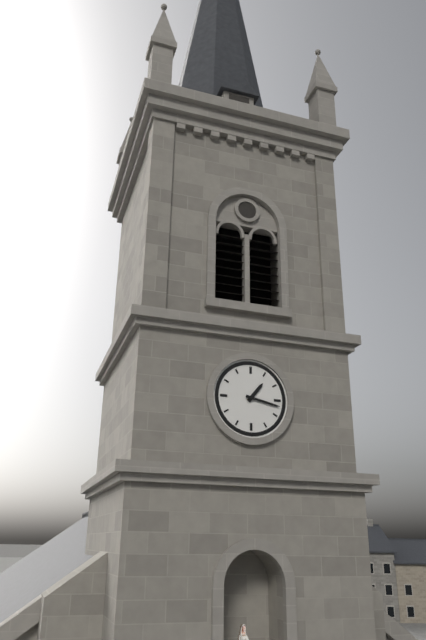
1:17
